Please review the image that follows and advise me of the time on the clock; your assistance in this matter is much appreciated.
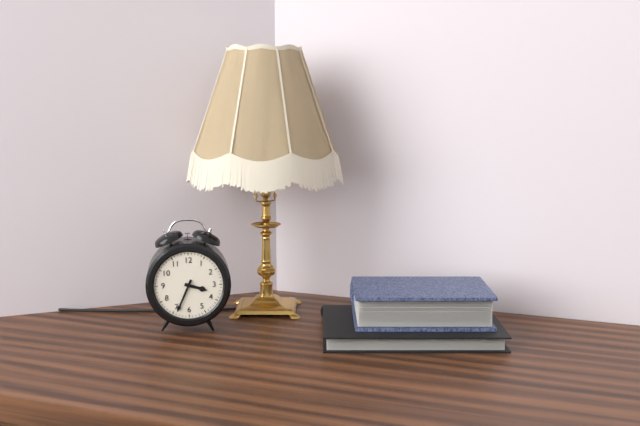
3:34
